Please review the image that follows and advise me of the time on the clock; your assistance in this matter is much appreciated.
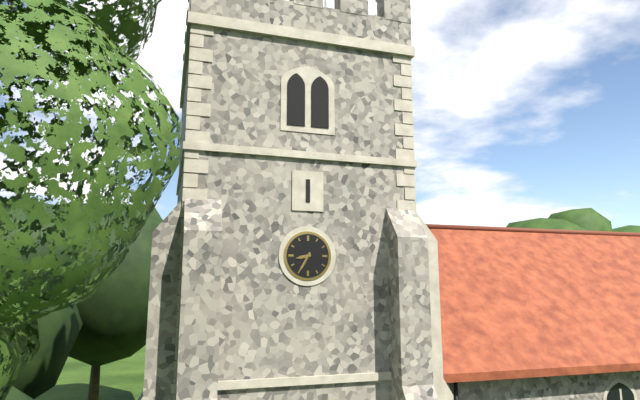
8:35
